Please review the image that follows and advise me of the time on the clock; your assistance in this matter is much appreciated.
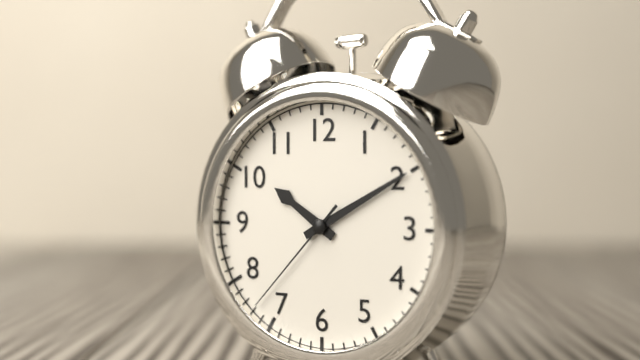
10:10:37
